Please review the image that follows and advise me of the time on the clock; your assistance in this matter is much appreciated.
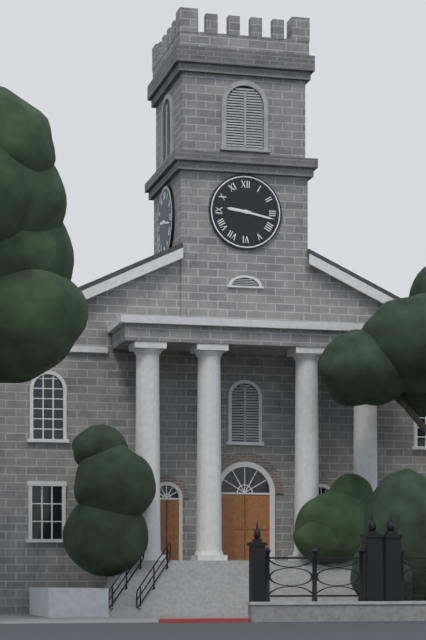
9:17
